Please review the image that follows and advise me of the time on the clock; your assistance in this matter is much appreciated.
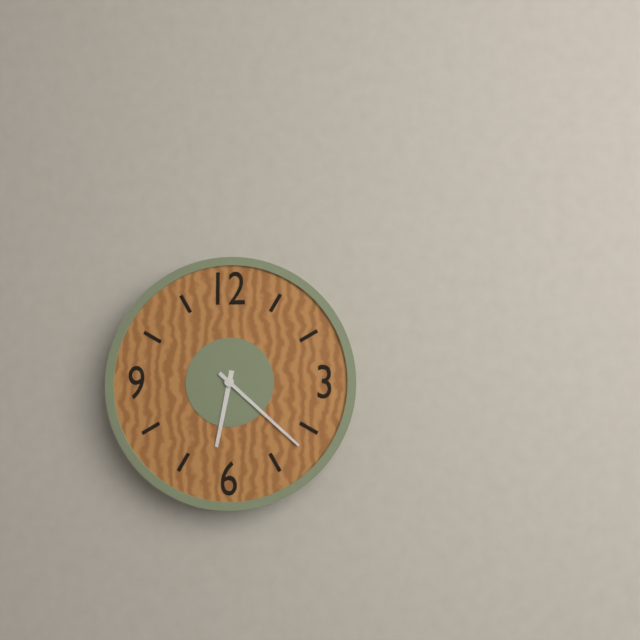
6:22
